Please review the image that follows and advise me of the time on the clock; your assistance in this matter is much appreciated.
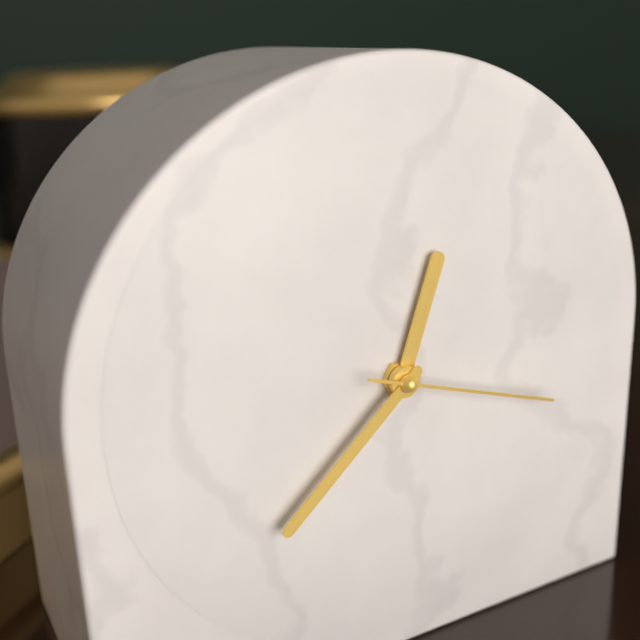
12:38:18
